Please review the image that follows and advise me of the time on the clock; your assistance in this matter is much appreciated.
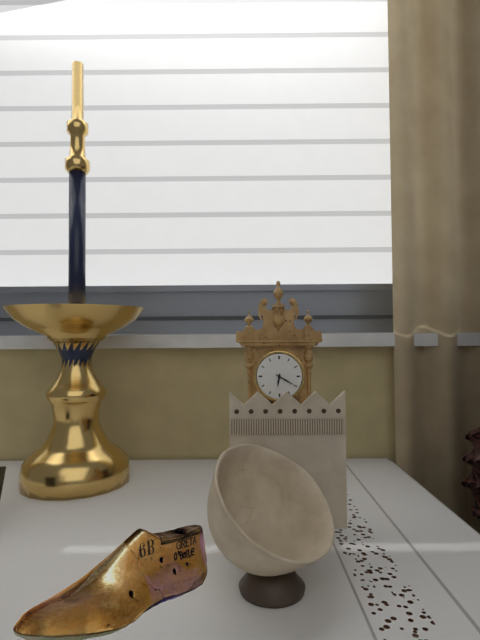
6:20
